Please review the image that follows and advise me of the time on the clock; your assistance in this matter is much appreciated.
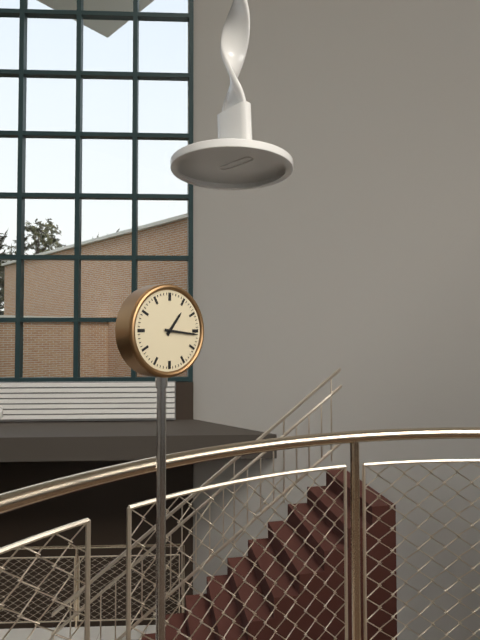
1:16
